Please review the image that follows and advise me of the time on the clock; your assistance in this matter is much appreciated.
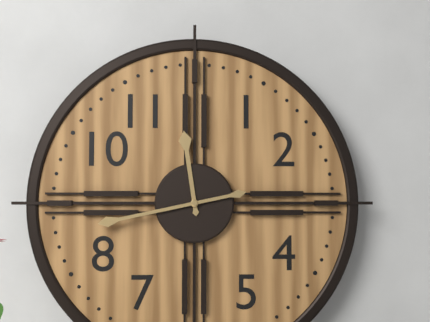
11:43
